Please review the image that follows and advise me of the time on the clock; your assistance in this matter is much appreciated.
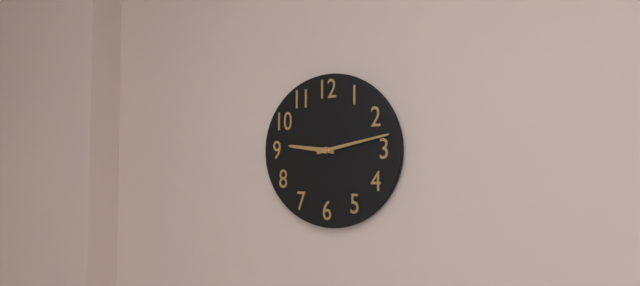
9:13
